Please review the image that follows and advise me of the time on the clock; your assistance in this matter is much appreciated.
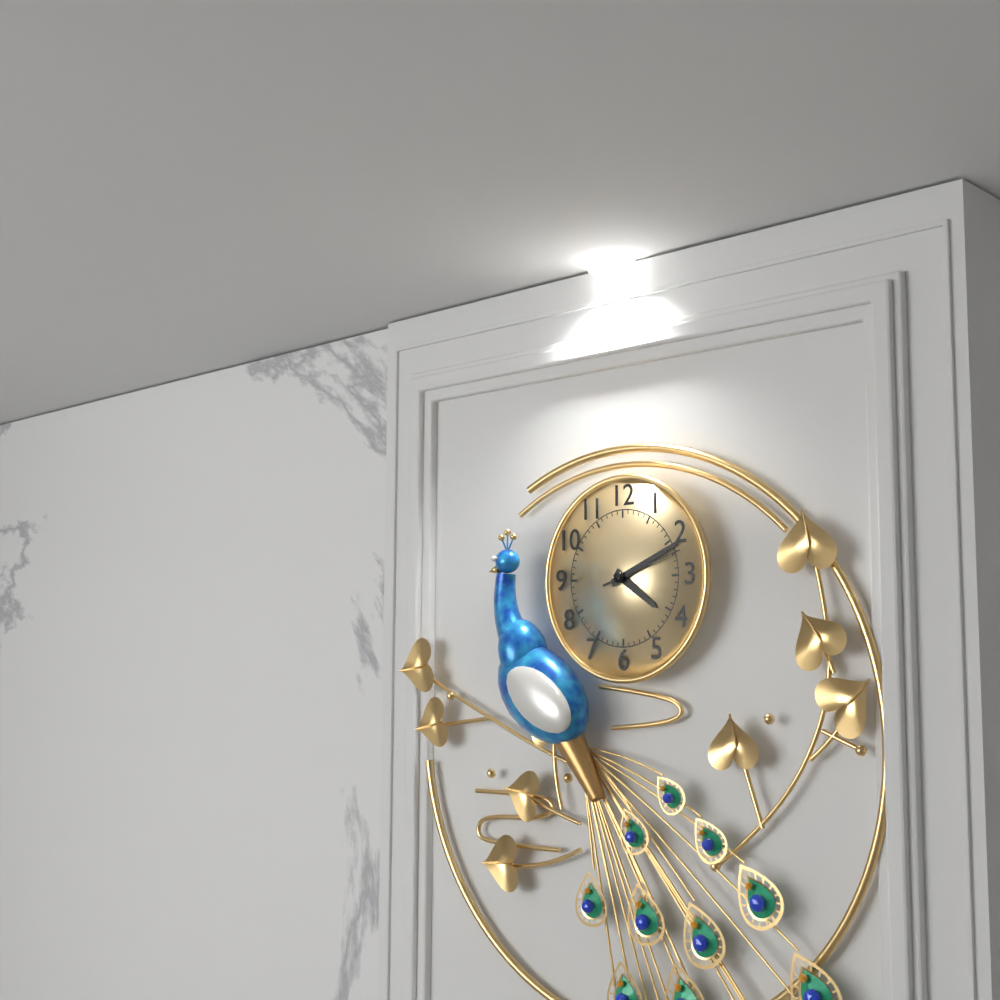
4:11:12
